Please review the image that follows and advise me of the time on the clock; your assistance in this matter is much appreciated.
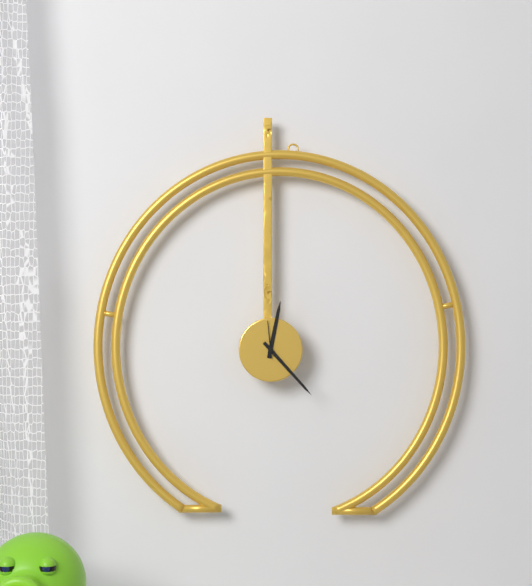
12:23
